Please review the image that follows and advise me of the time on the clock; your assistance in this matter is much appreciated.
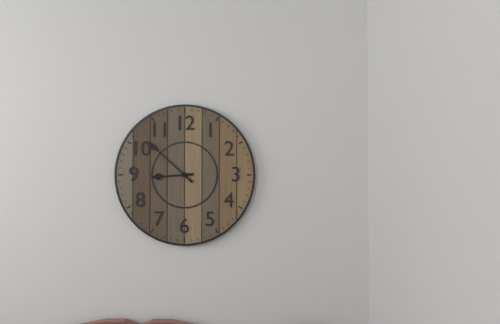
8:52
